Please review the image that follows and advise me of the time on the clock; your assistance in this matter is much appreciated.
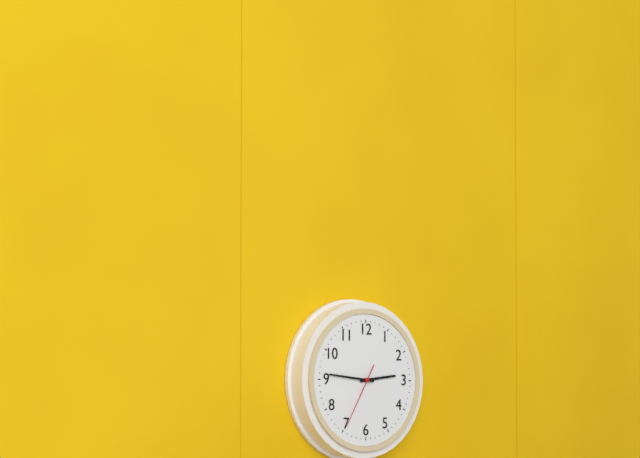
2:46:35
